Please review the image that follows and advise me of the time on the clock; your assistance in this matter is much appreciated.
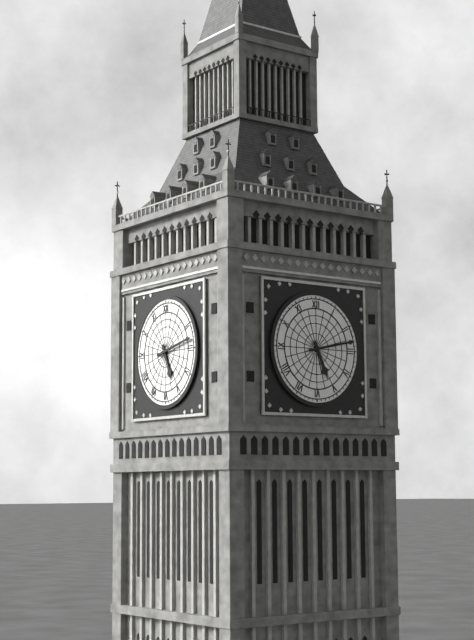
5:13
